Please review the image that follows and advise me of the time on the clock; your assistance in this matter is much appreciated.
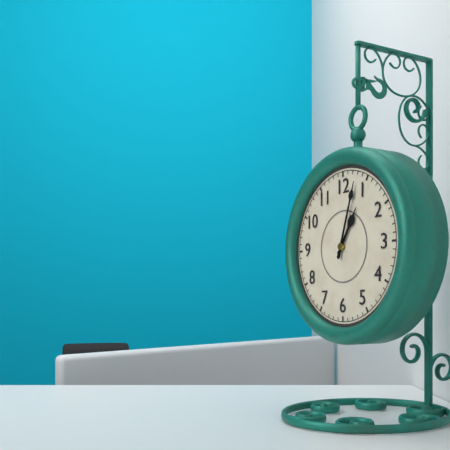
1:03
